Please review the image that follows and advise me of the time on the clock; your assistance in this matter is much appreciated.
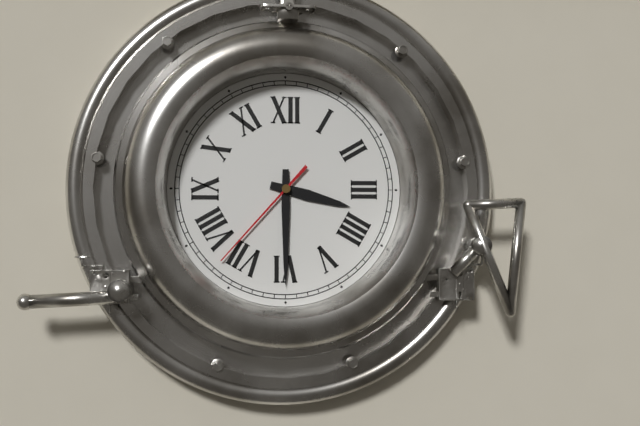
3:30:37
